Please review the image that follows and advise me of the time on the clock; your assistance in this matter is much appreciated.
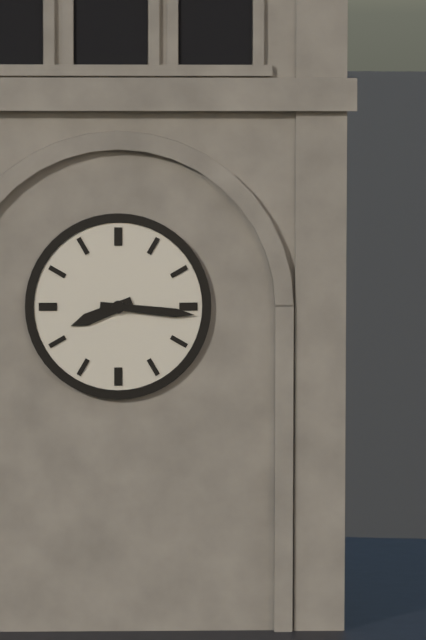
8:16
